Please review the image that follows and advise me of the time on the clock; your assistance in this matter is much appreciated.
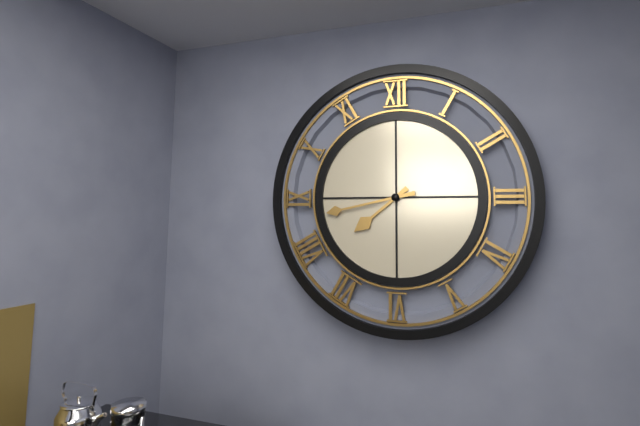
7:43
